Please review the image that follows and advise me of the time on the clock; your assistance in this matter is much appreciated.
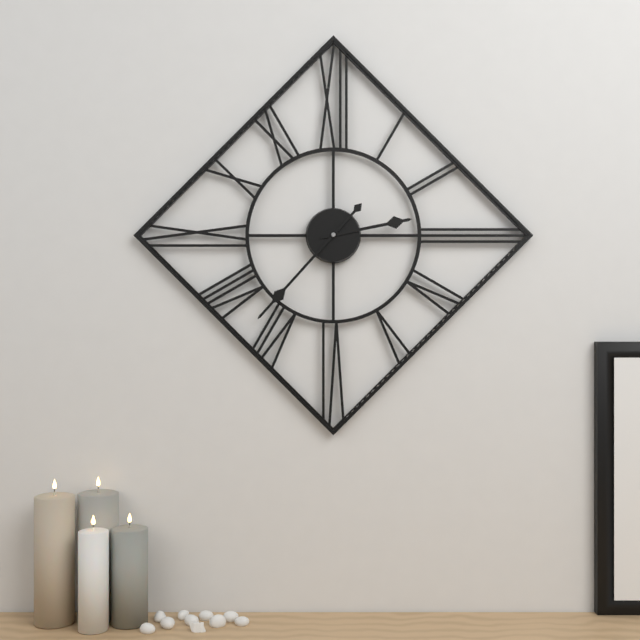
2:37
